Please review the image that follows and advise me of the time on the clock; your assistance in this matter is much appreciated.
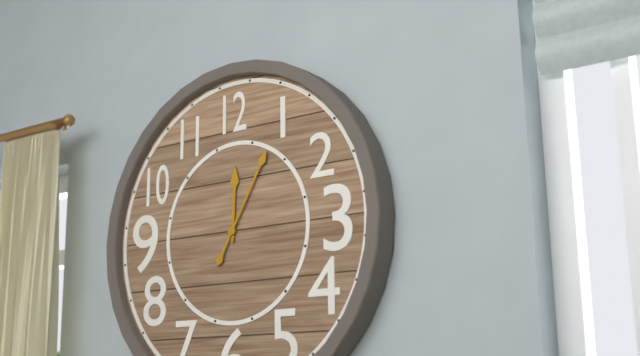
12:05
